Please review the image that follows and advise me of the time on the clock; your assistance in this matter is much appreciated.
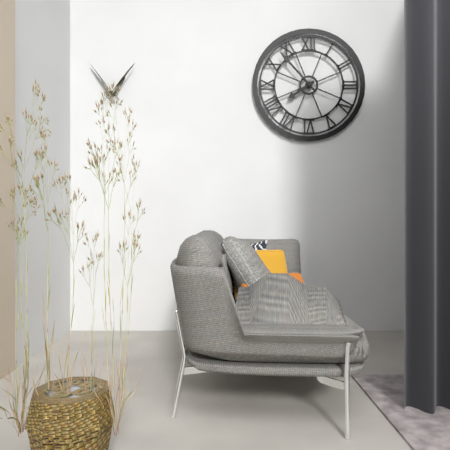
7:53
